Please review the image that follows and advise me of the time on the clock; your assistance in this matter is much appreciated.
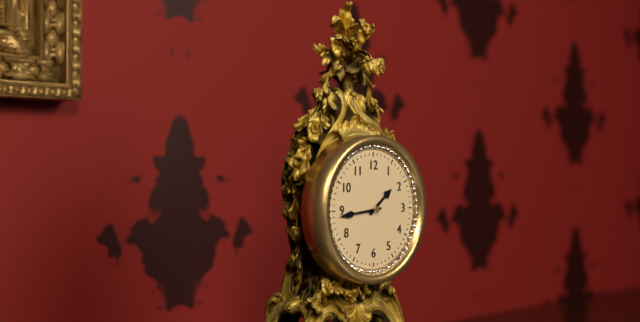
1:44
